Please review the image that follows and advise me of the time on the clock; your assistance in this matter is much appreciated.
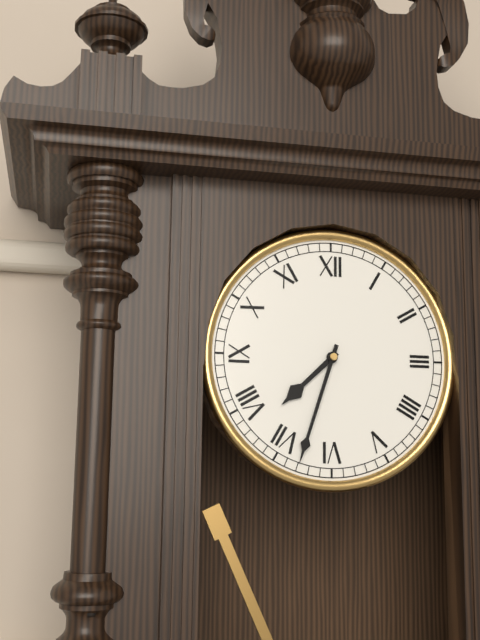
7:33
